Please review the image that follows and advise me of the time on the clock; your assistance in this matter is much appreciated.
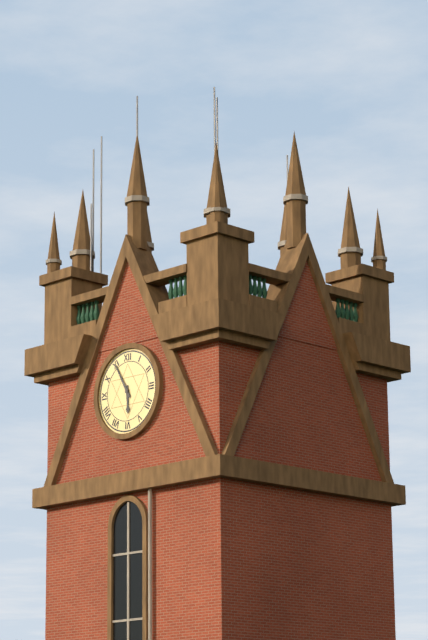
5:55
